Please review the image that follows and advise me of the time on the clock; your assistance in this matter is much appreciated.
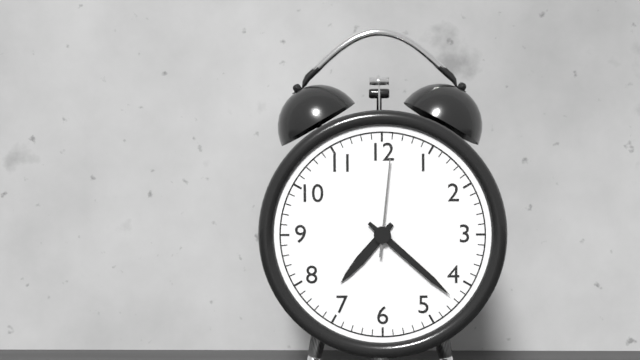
7:22:01
